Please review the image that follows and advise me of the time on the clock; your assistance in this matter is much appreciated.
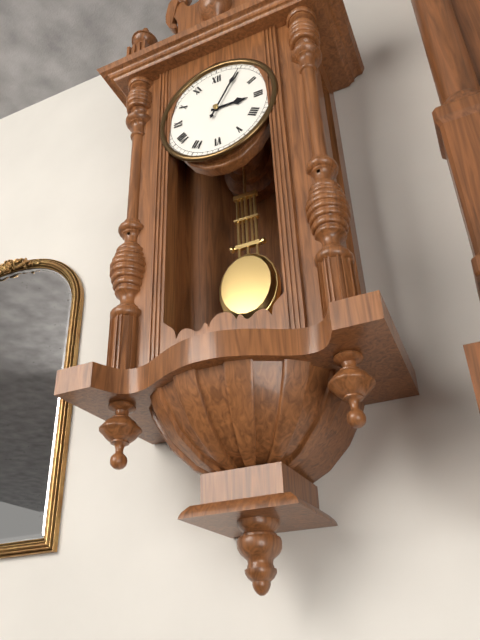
3:05
